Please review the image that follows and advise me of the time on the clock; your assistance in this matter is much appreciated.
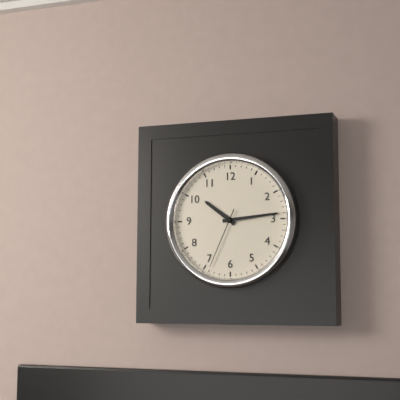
10:14:34
